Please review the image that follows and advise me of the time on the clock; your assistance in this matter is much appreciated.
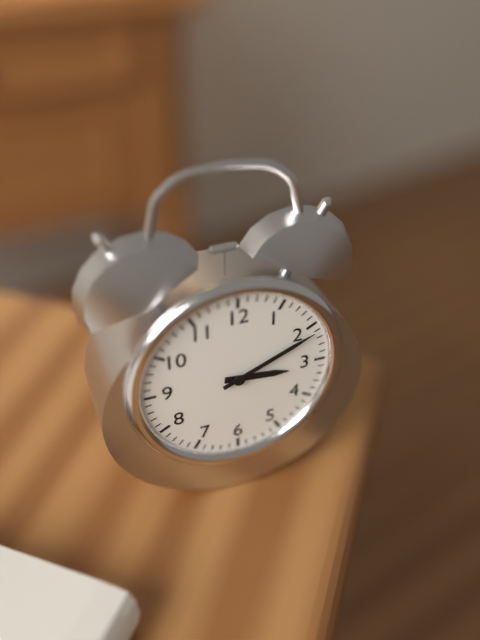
3:11
